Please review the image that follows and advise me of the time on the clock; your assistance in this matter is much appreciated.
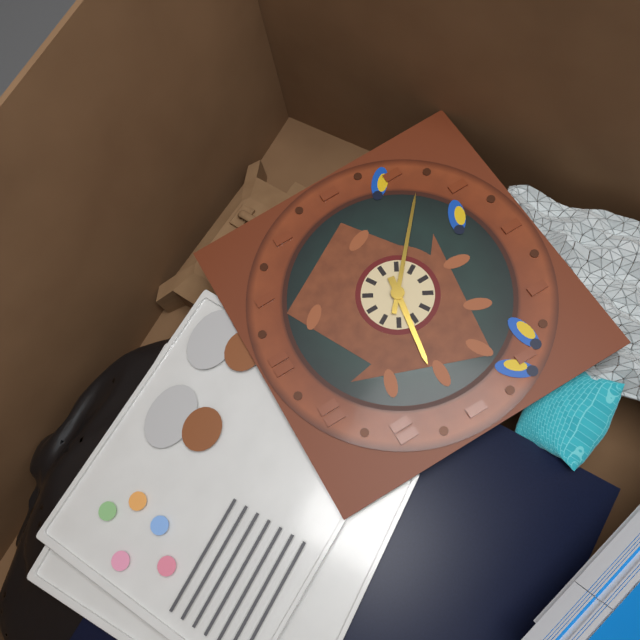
9:22
